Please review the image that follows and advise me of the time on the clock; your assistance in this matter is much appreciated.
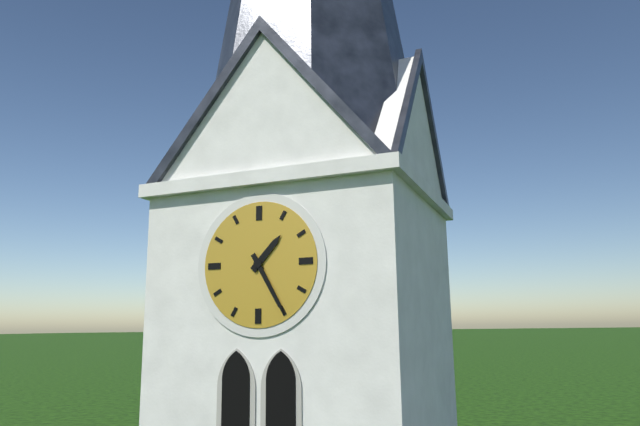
1:25
